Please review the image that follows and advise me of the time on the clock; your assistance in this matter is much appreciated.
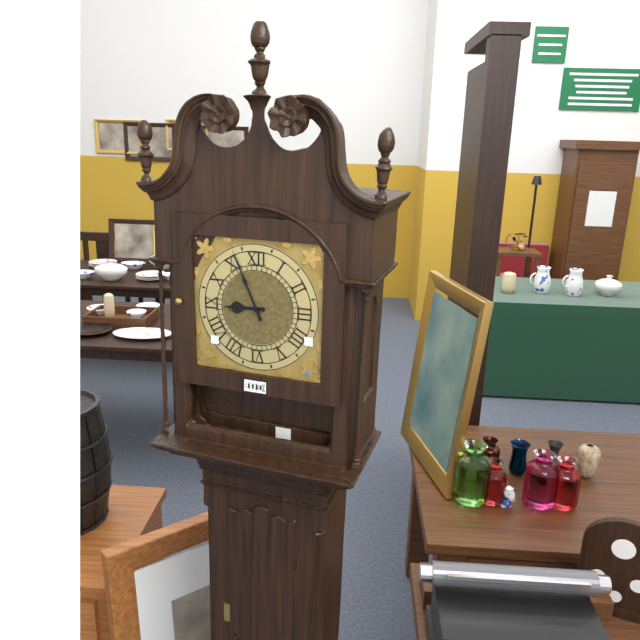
8:56
